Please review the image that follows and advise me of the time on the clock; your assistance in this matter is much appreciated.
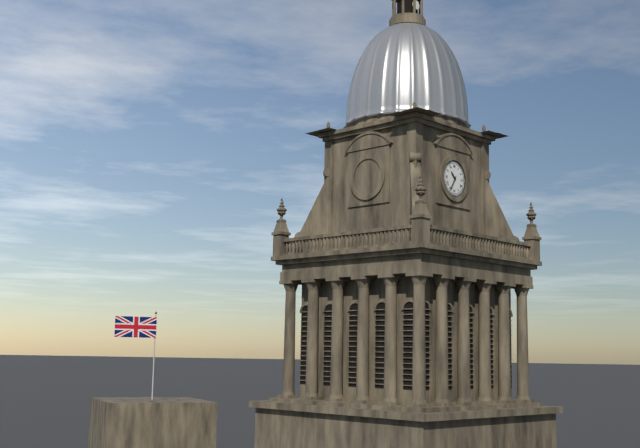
10:35
